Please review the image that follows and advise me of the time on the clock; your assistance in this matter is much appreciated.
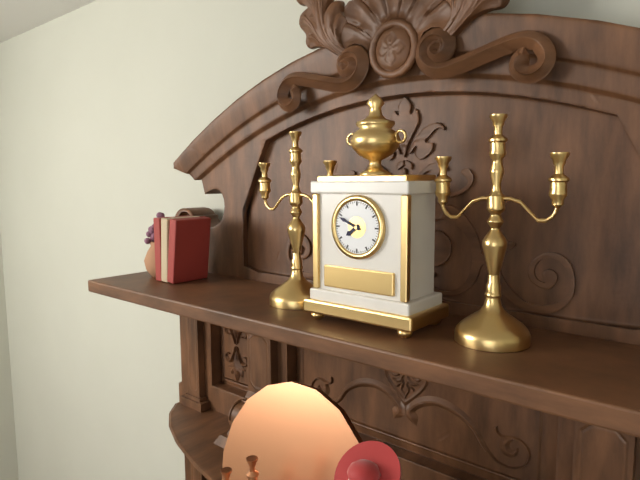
7:49
